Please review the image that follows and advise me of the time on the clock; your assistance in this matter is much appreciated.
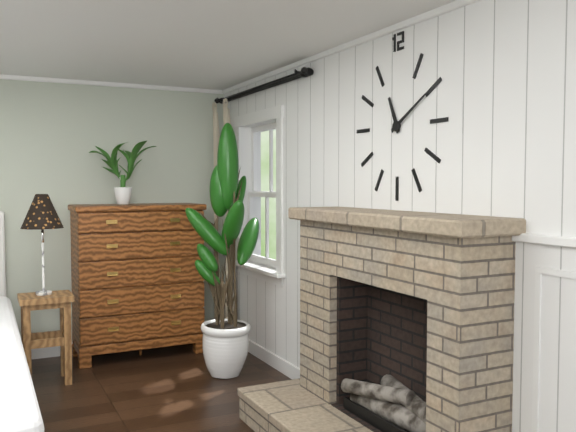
11:10
